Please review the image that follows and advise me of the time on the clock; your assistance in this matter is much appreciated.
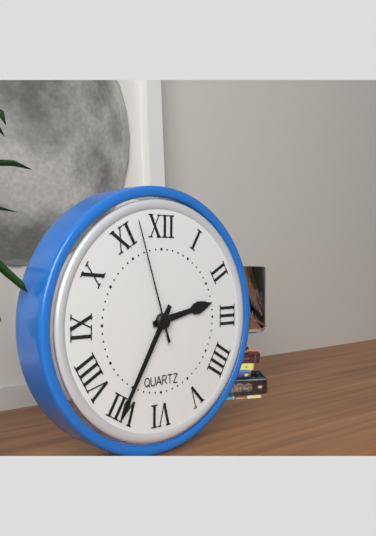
2:35:57
